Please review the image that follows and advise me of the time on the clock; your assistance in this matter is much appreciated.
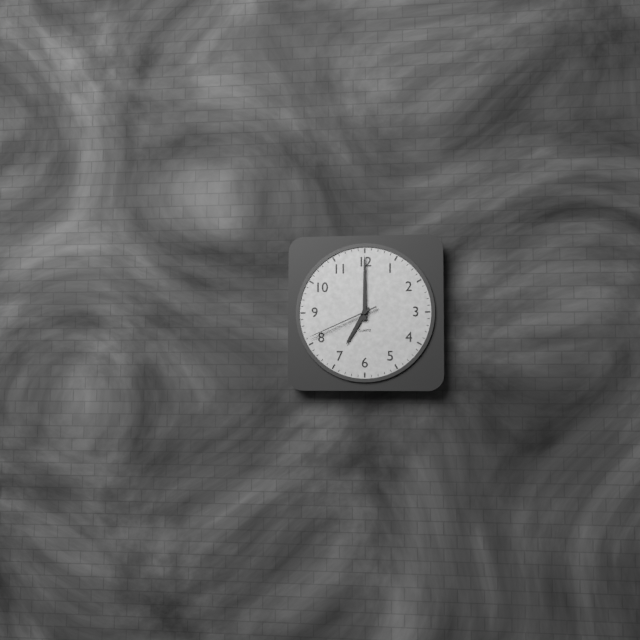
7:00:41
